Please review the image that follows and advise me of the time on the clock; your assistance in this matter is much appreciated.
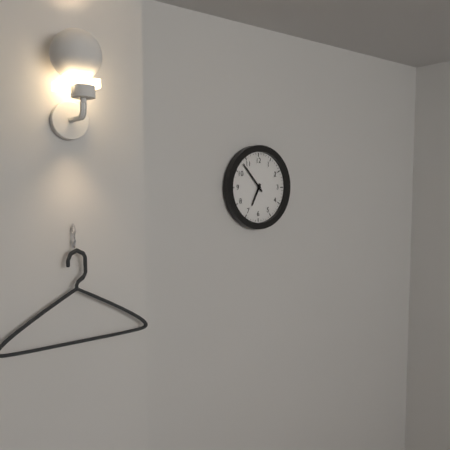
6:53
